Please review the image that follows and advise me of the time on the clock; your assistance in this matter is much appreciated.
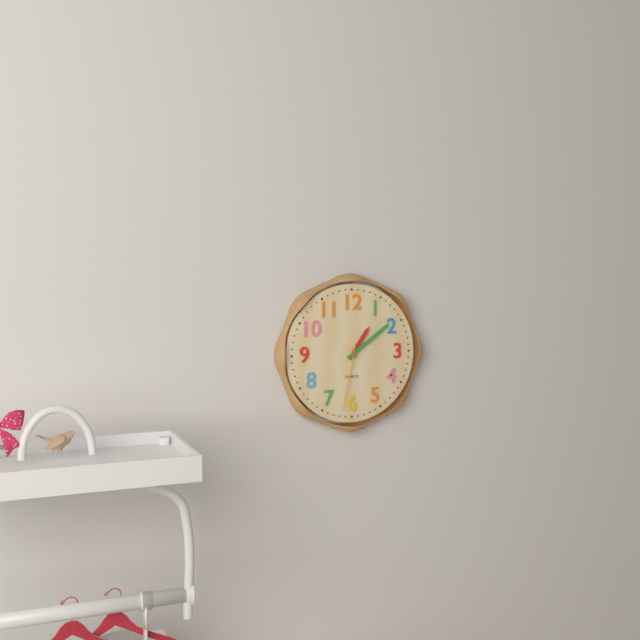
1:09:32
